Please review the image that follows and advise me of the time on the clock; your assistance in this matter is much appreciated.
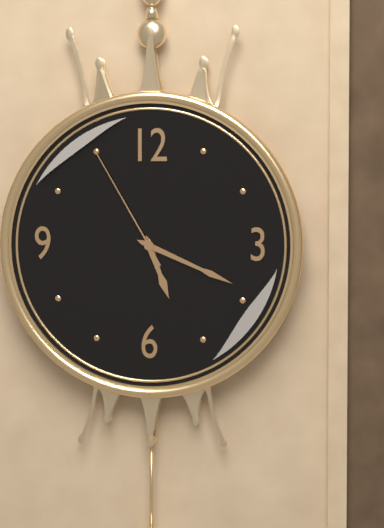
5:19:55
